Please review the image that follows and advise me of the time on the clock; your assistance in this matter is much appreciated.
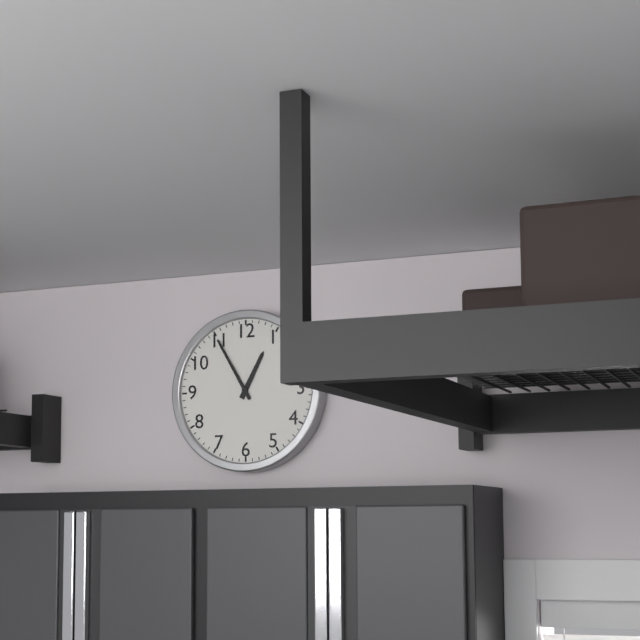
12:55
